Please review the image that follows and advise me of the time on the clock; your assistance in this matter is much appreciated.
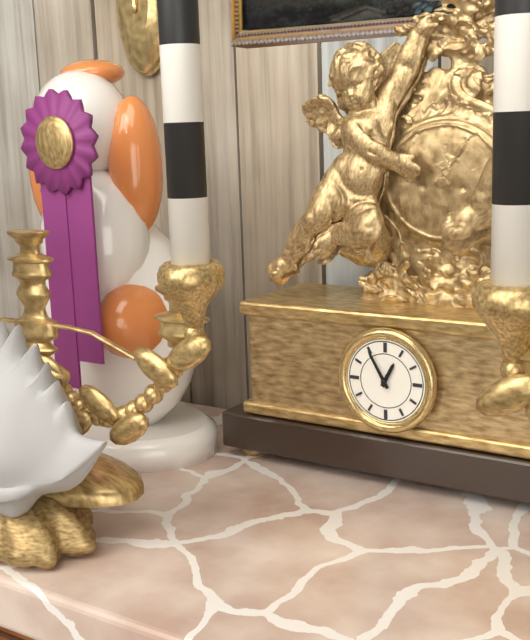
12:55
